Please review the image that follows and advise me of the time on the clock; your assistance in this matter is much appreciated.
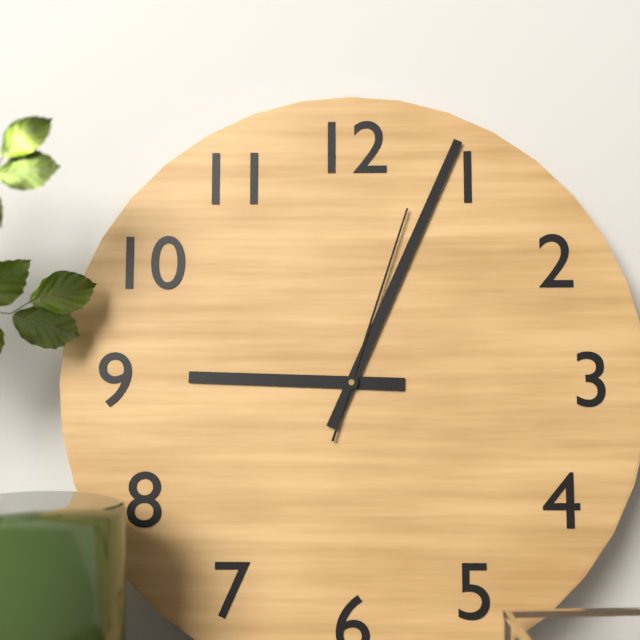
9:04:03
